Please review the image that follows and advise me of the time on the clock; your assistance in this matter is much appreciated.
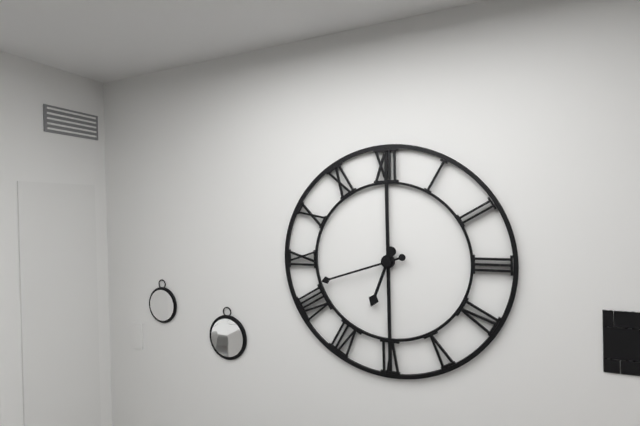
6:42
